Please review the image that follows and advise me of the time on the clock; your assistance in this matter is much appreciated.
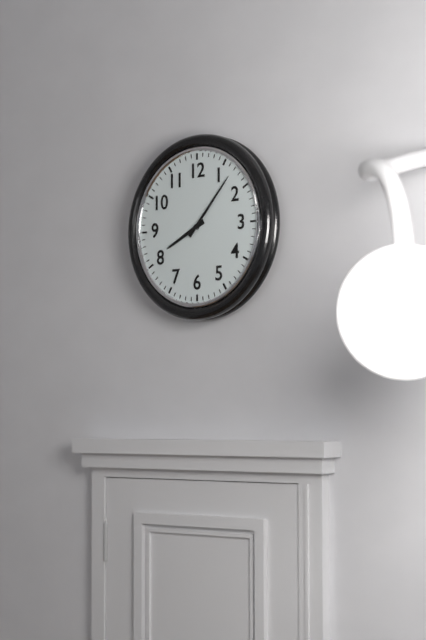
8:07
